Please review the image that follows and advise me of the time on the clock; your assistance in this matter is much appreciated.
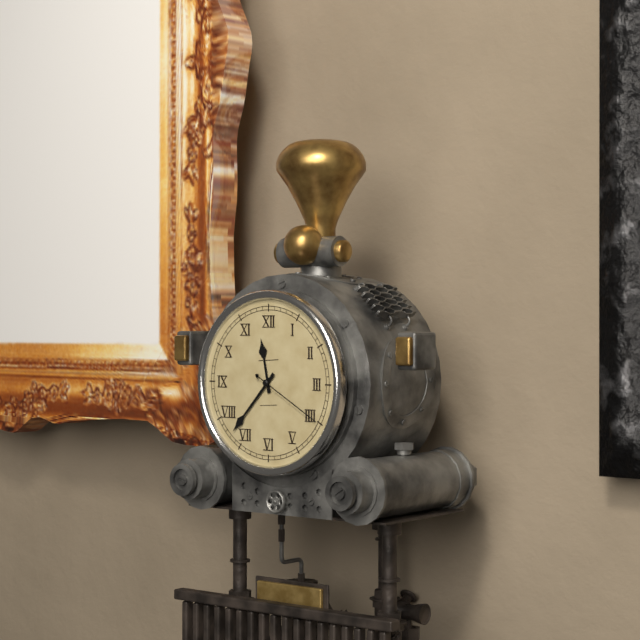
11:37:20
